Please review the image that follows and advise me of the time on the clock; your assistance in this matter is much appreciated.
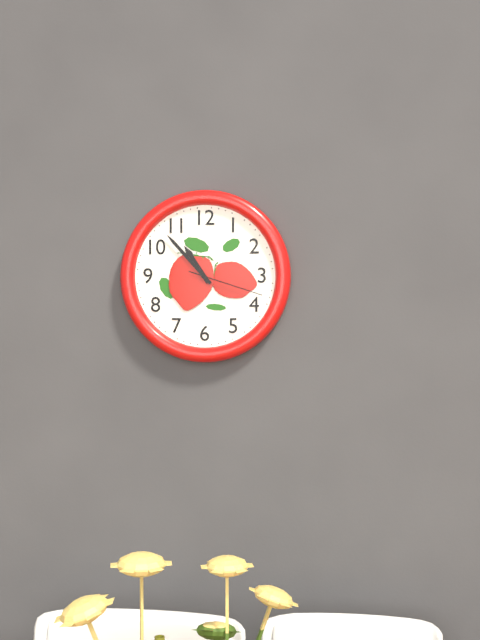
10:53:18
